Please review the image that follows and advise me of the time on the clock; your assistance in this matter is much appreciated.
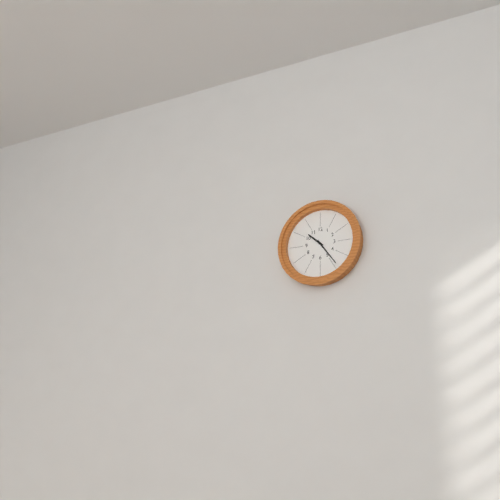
10:24
